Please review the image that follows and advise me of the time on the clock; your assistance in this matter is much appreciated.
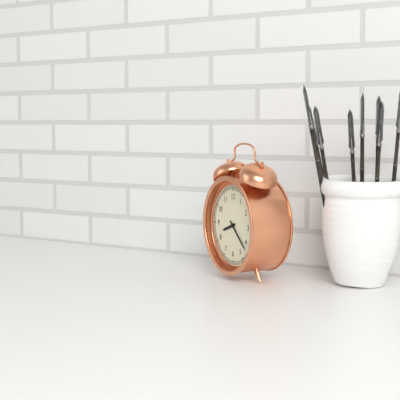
8:22
